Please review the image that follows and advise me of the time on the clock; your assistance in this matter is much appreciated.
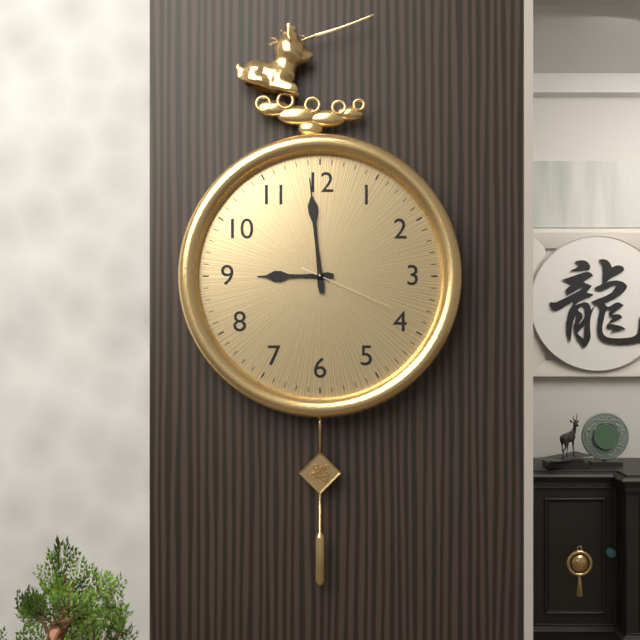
8:59:19
